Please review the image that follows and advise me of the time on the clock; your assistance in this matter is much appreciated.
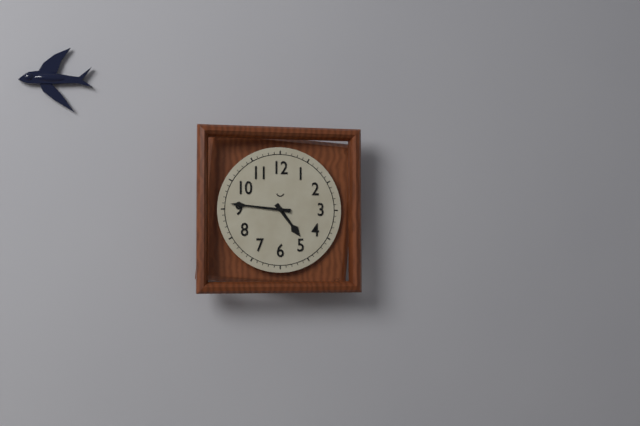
4:46
